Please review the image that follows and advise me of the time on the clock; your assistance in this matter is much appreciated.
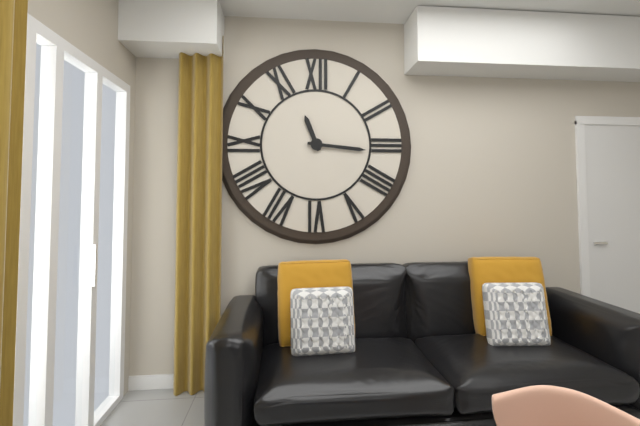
11:16
